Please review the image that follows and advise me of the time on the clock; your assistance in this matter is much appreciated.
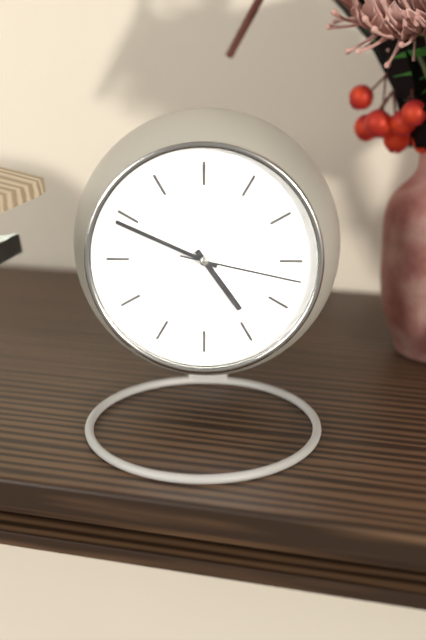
4:49:17
